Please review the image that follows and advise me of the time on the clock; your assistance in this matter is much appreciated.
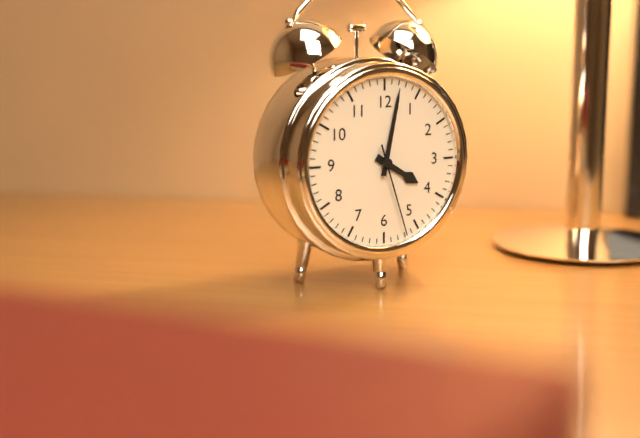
4:02:27
